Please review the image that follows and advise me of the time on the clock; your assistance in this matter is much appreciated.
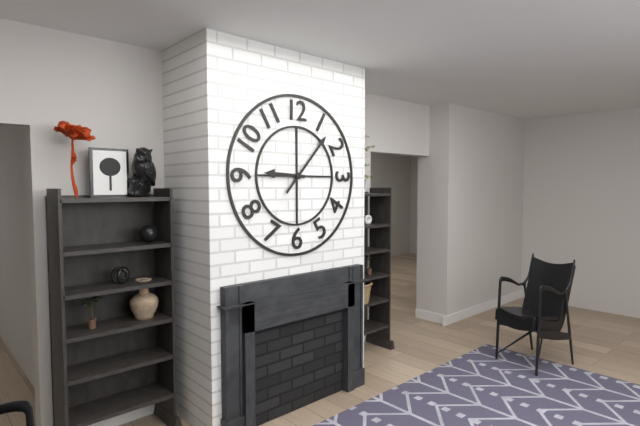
9:07
